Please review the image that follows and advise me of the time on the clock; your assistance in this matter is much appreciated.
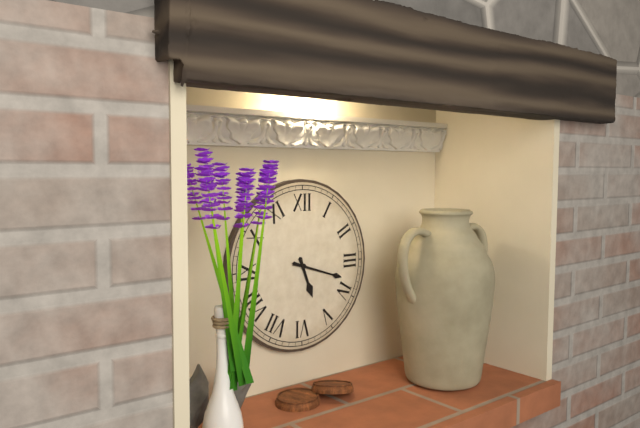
5:18
